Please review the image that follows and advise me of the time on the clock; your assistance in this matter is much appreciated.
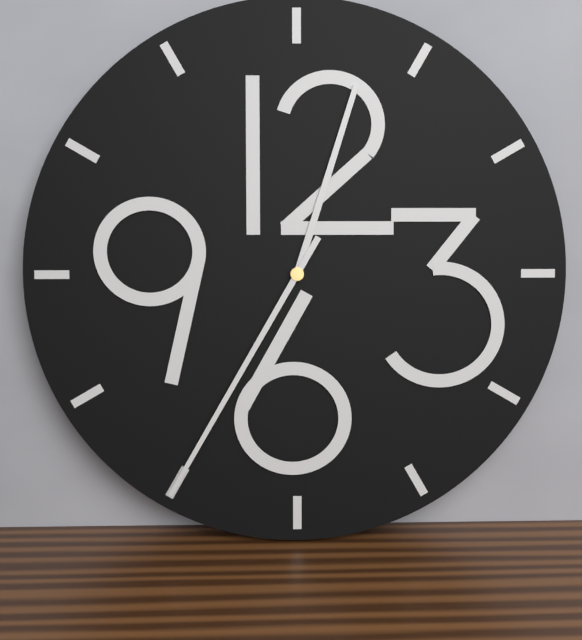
12:35
